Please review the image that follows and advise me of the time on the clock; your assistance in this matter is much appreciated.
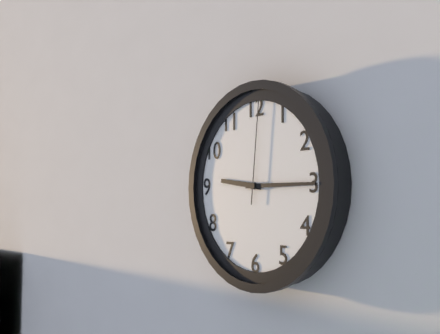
9:15:01
